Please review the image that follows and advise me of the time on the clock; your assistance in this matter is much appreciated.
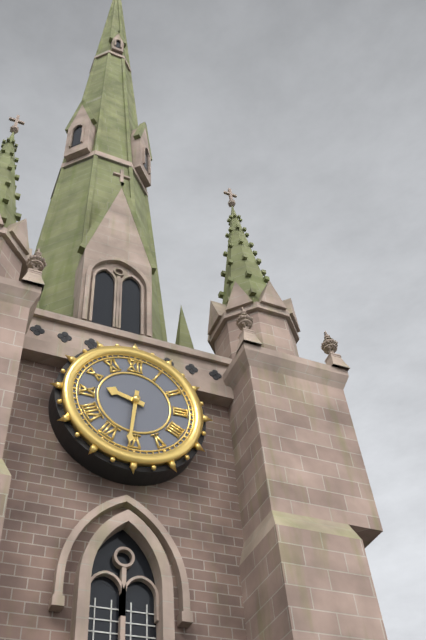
9:31
